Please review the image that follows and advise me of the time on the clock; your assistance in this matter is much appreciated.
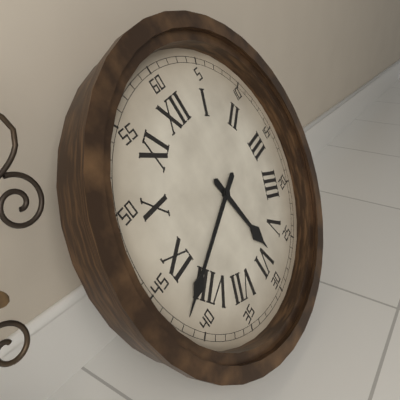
5:42
